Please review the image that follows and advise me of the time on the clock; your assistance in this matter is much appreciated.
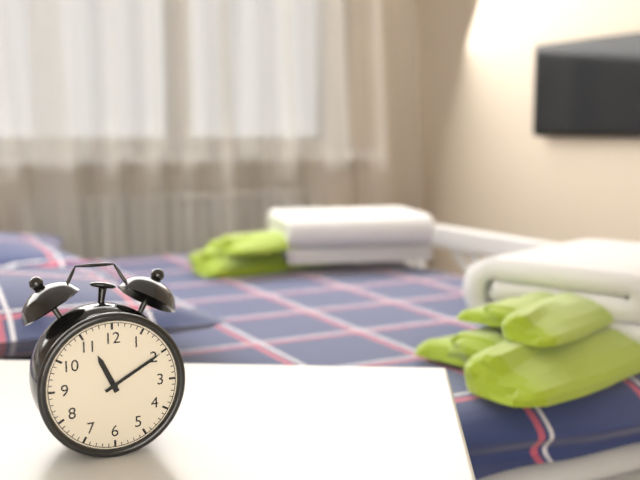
11:10
